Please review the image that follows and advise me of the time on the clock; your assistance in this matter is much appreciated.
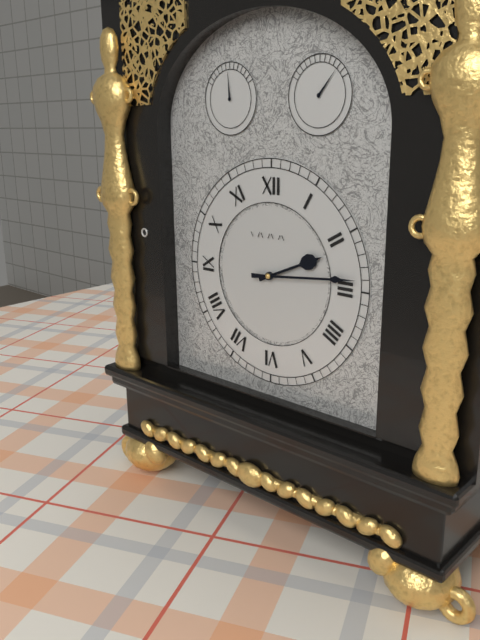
2:14
